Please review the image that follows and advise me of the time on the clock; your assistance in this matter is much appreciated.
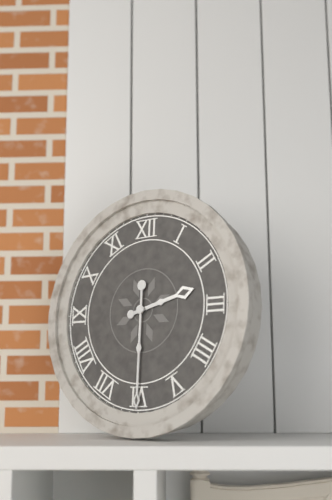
2:30
